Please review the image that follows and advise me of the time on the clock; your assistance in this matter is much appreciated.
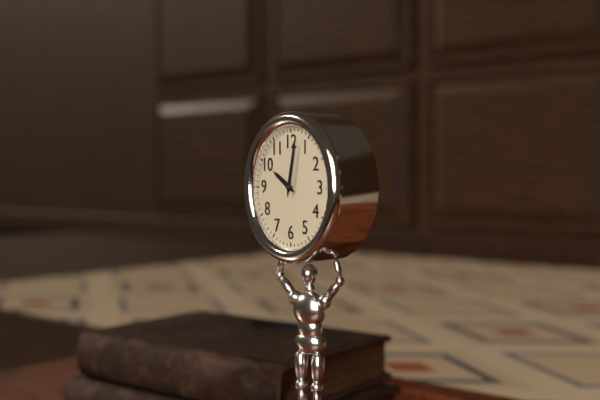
10:02
